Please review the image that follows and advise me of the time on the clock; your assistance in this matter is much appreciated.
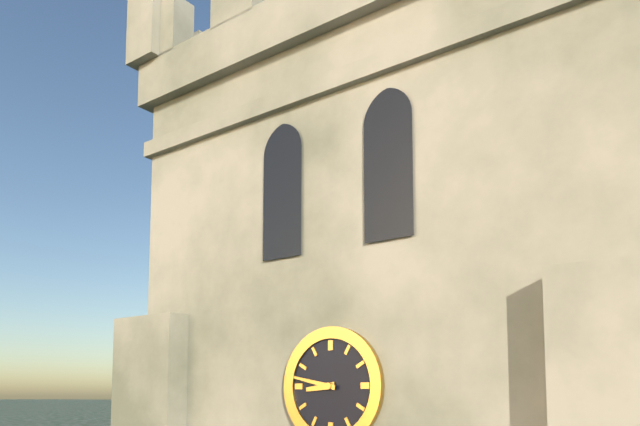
8:47
